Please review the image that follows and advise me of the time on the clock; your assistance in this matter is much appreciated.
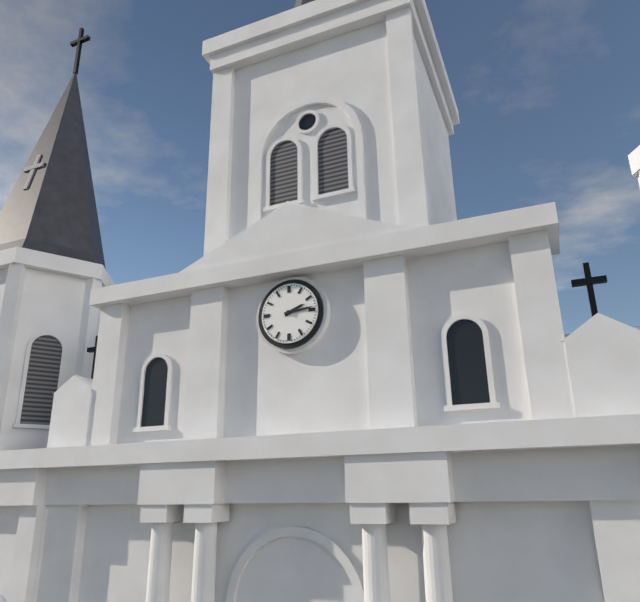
2:14
